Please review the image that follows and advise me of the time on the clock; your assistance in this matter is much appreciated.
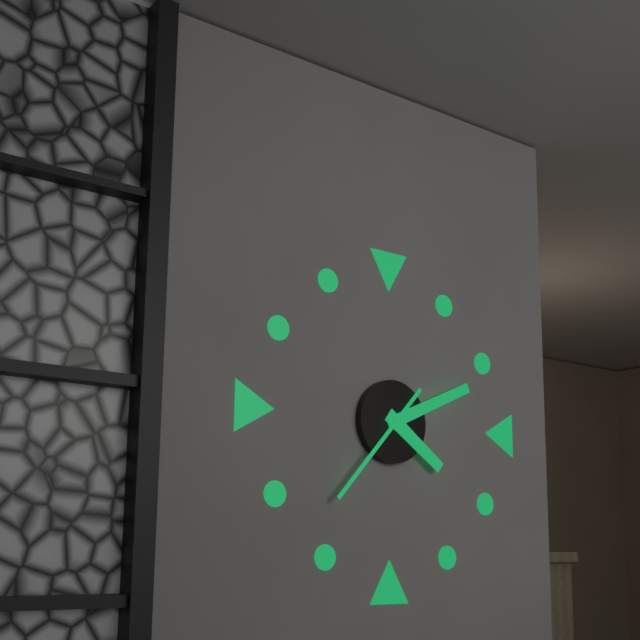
4:11:37
